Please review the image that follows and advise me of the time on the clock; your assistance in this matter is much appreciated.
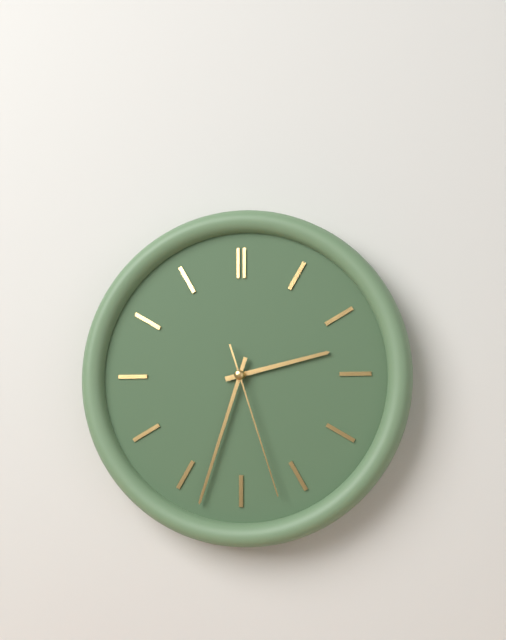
2:33:27
